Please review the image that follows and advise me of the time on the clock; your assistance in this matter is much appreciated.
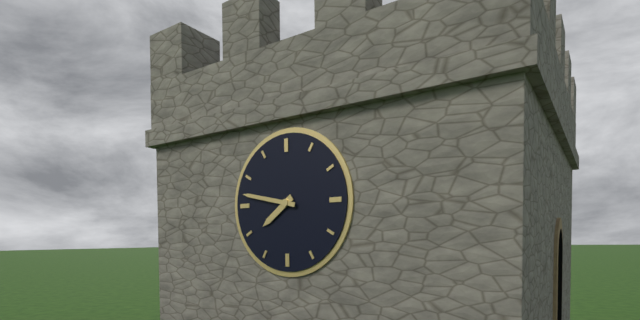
7:47
